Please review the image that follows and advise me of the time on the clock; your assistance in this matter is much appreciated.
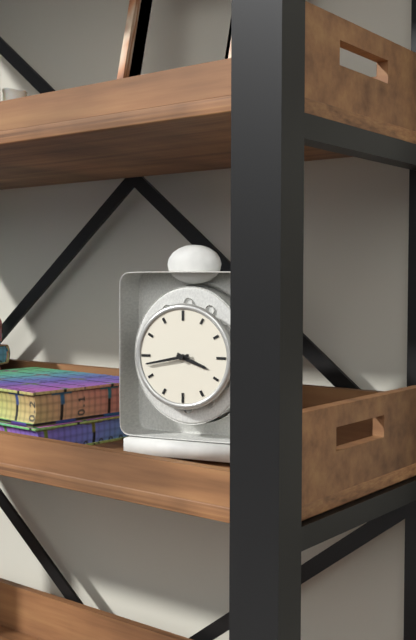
3:43
